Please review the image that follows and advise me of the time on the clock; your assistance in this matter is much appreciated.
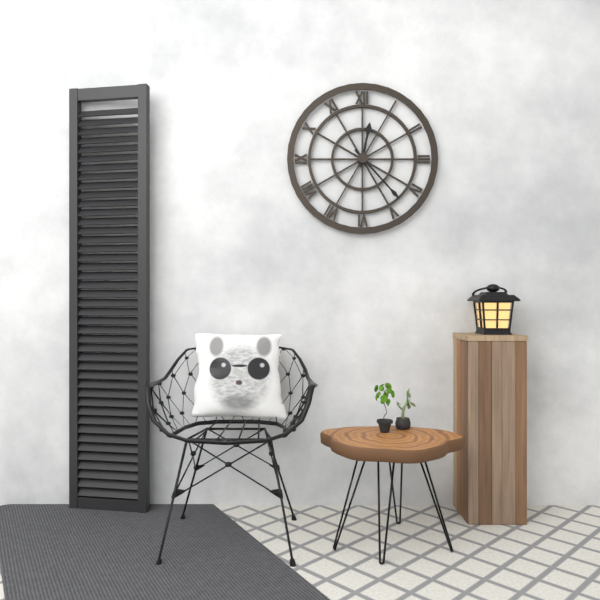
12:23
